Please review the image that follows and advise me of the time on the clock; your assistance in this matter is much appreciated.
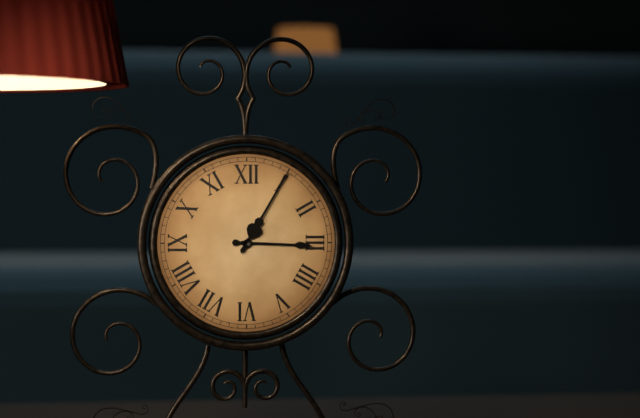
3:05
